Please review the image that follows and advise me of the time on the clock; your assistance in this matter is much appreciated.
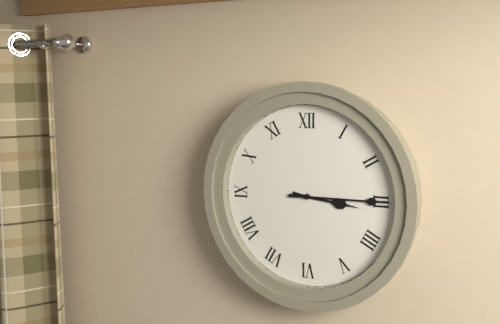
3:15
